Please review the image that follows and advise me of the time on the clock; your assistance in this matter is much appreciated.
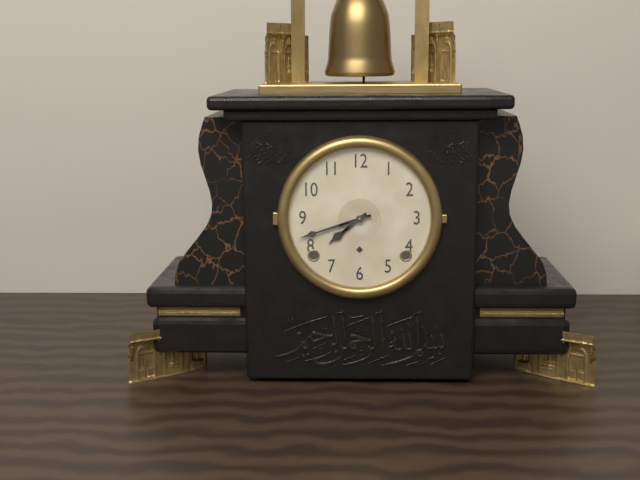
7:42
